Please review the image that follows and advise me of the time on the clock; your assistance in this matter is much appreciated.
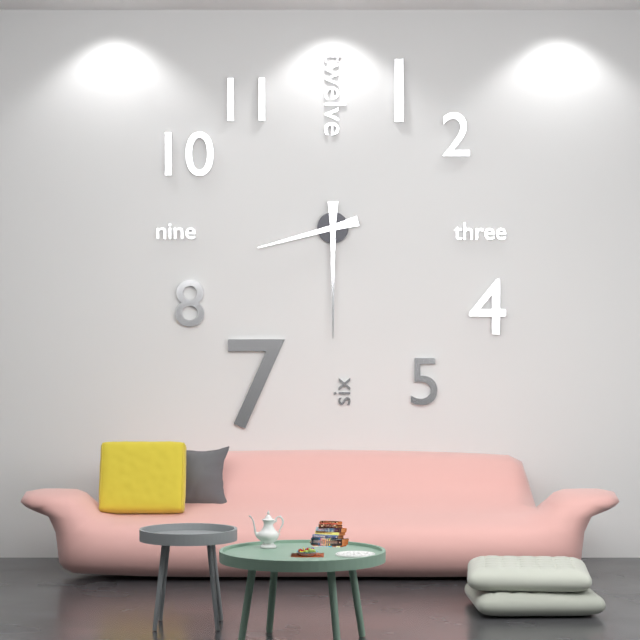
8:30
